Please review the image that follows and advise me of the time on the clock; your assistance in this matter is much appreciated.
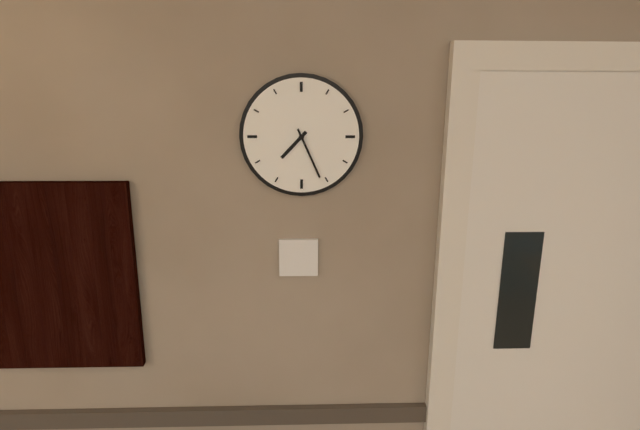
7:26
